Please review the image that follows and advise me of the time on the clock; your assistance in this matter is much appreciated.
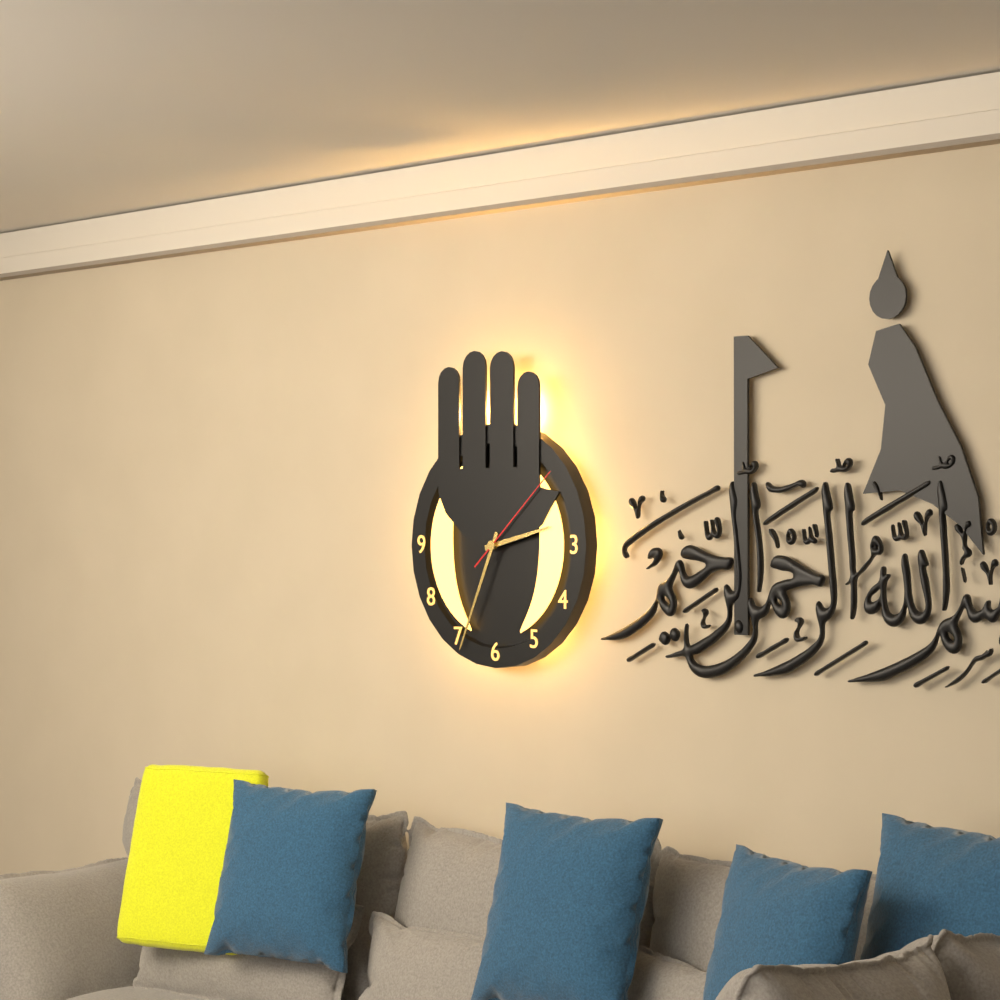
2:34:08
